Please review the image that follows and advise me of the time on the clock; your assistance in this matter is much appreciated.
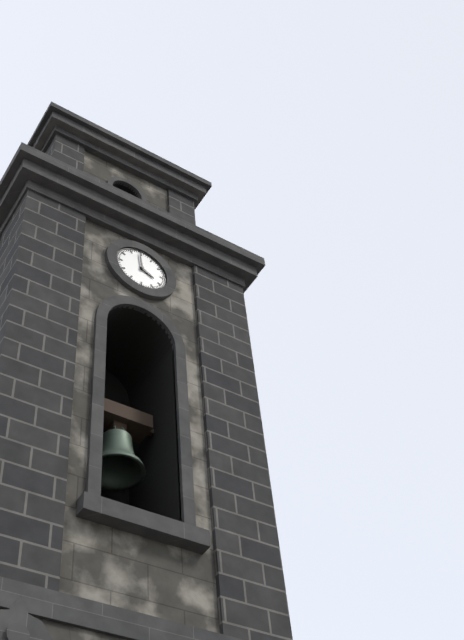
3:59
